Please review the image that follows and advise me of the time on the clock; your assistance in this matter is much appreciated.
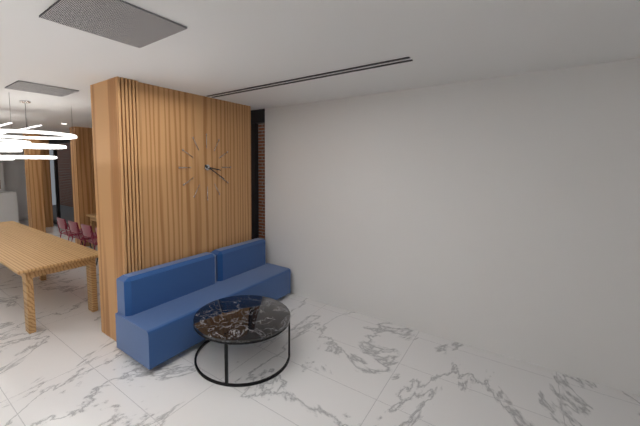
3:20
